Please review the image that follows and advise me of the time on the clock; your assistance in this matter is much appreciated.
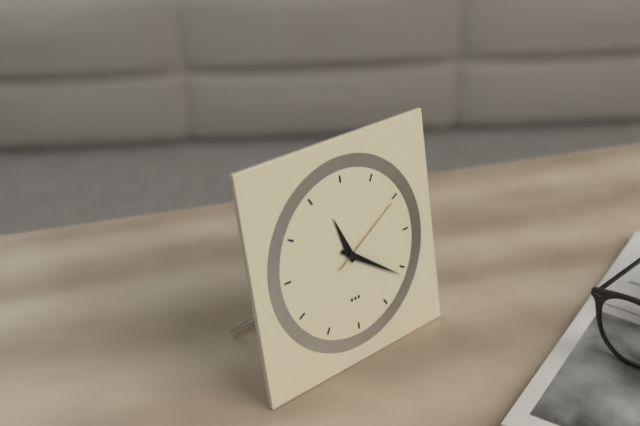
11:21:10
